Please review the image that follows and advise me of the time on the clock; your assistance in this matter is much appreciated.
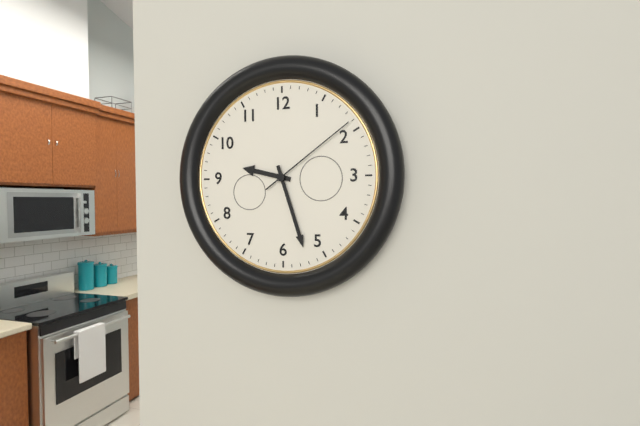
9:27:09
